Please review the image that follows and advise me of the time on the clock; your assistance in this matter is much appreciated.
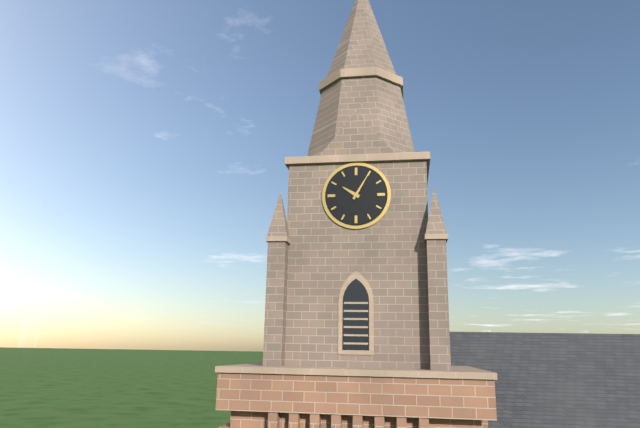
10:05
